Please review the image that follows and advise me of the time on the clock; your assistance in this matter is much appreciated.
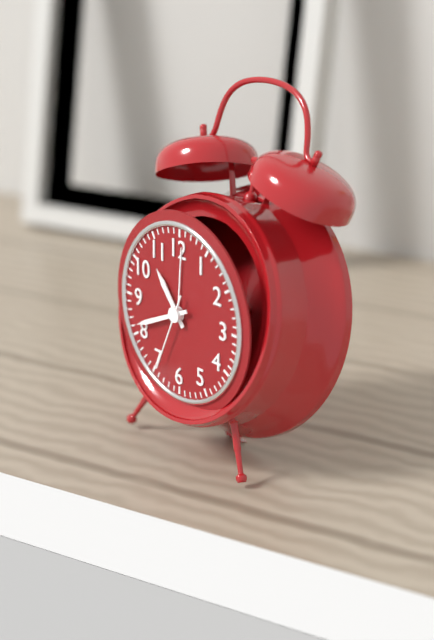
10:41:34
